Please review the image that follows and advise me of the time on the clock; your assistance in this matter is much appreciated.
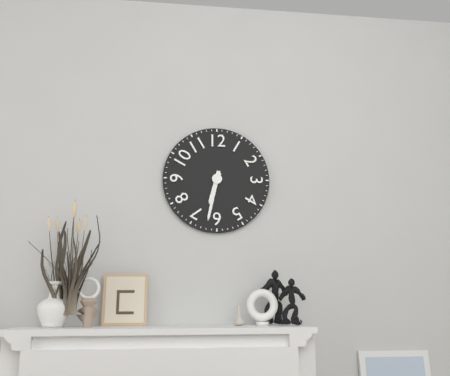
6:32
